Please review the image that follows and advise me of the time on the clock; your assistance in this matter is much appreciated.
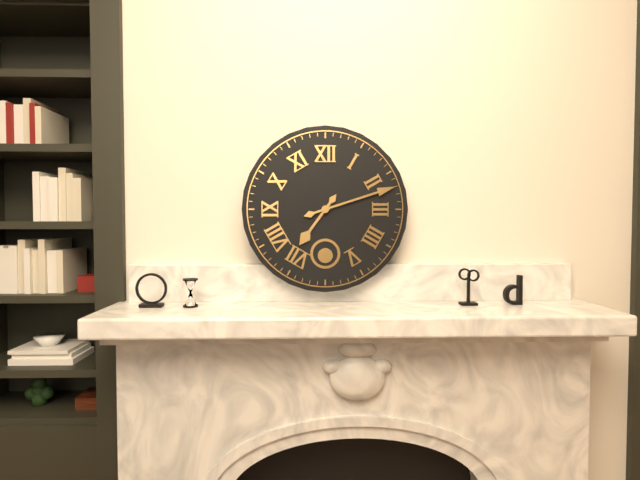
7:12
